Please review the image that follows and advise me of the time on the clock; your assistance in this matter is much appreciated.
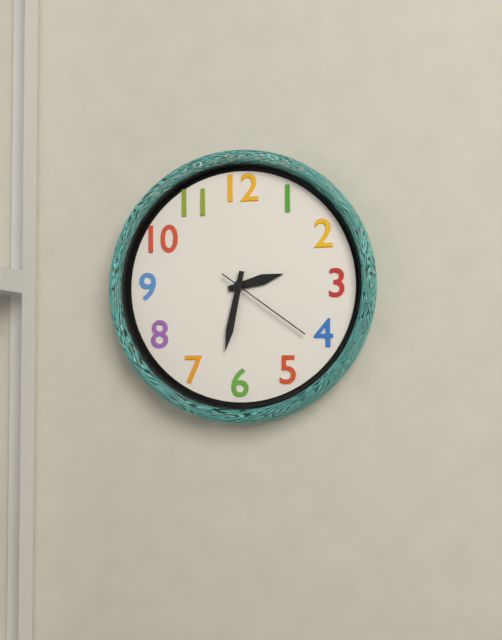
2:32:21
